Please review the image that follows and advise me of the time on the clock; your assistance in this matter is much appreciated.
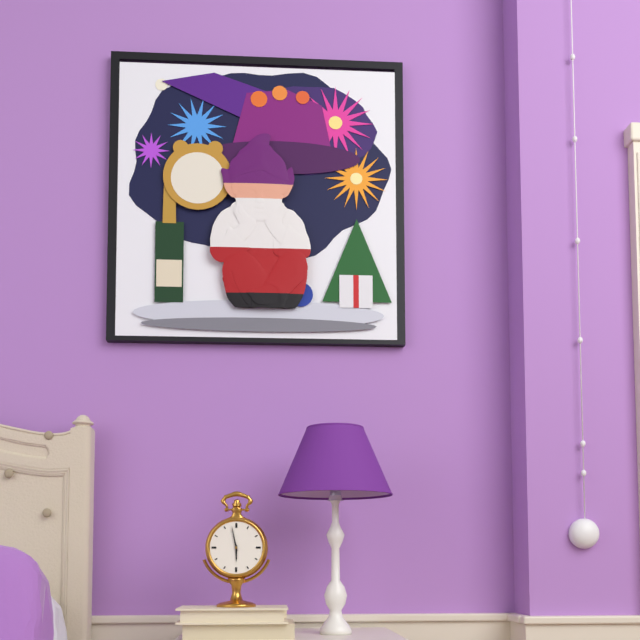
5:58
